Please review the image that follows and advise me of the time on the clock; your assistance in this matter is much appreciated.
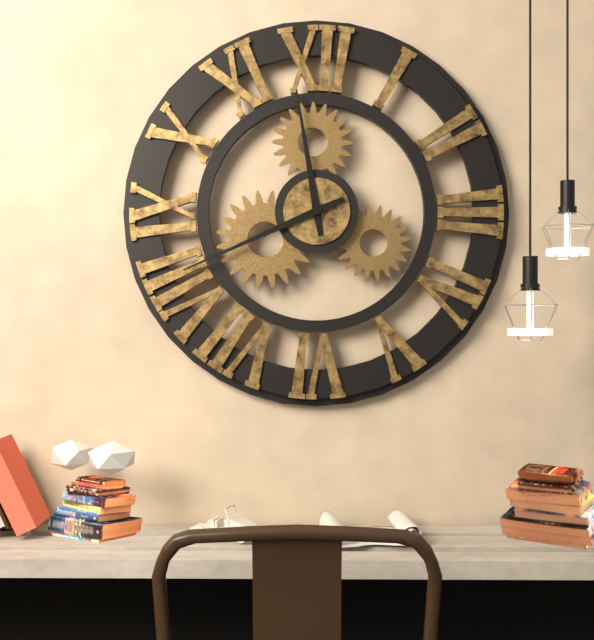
11:41
